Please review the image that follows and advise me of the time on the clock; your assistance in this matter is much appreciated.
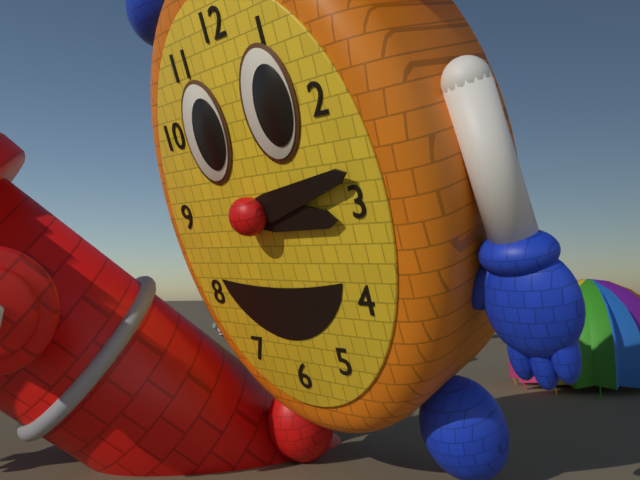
3:13
